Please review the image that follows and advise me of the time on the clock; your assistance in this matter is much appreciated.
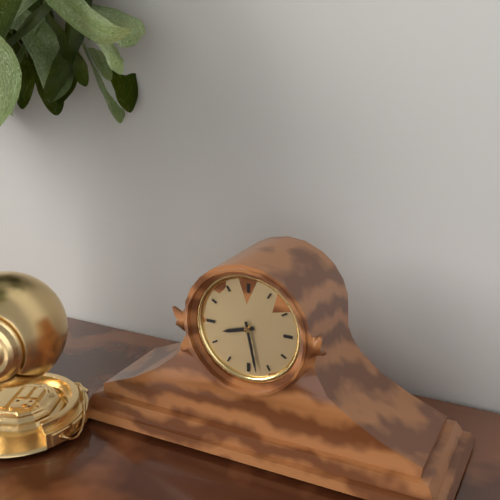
8:28
